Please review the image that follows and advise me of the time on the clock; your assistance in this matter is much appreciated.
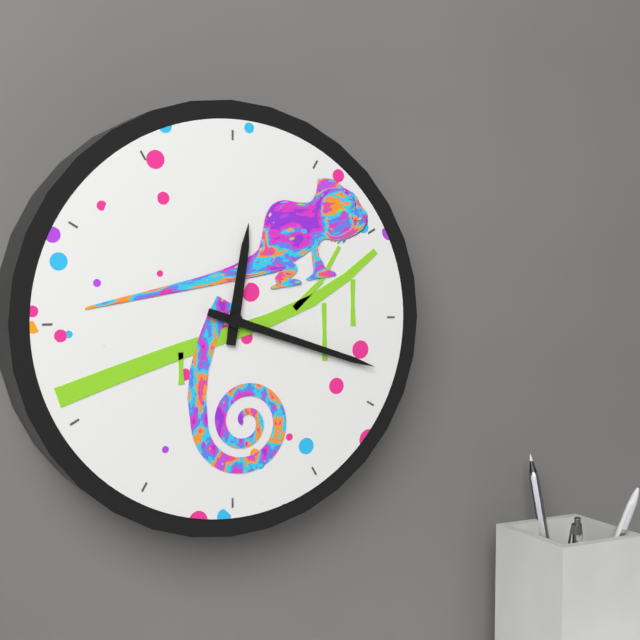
12:18
